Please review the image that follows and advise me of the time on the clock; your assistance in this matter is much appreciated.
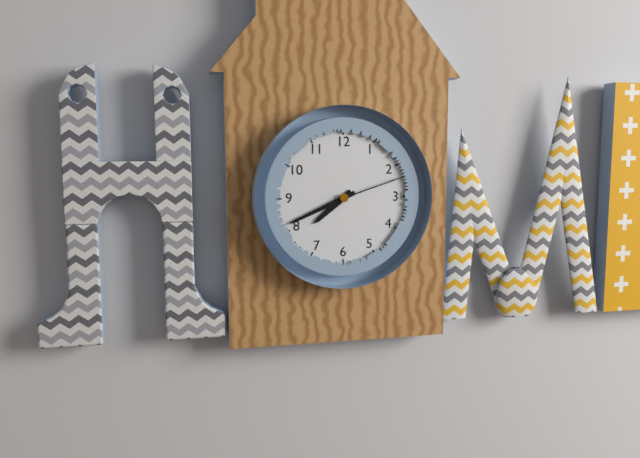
7:41:12
